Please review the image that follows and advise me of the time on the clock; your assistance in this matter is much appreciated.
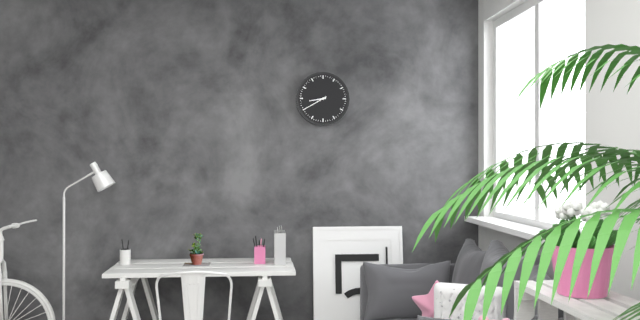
8:40
